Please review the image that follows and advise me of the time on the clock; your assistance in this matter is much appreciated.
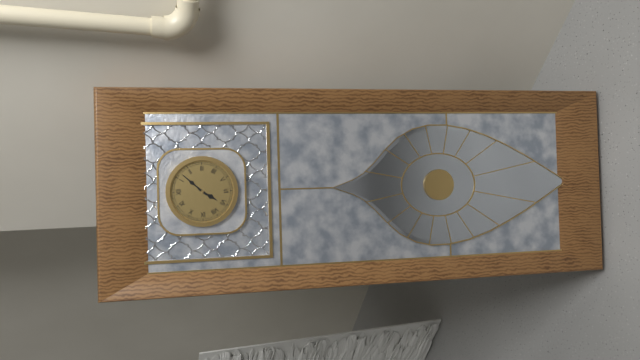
7:07
